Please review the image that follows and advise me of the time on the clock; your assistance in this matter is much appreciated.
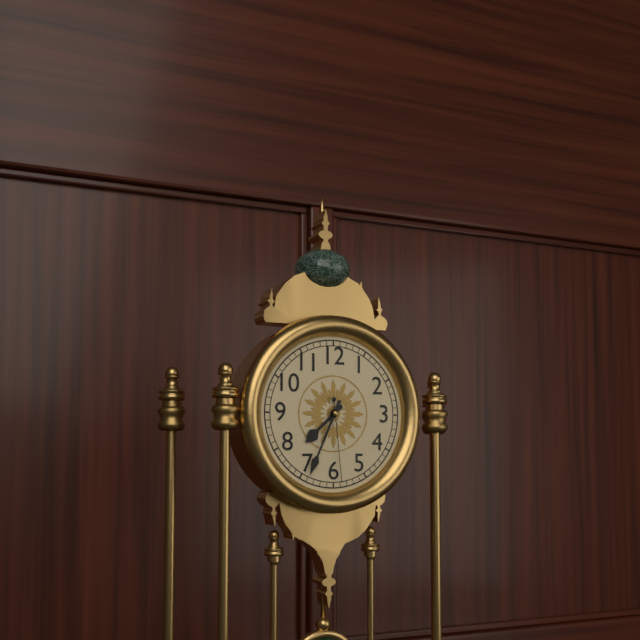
7:34:29
